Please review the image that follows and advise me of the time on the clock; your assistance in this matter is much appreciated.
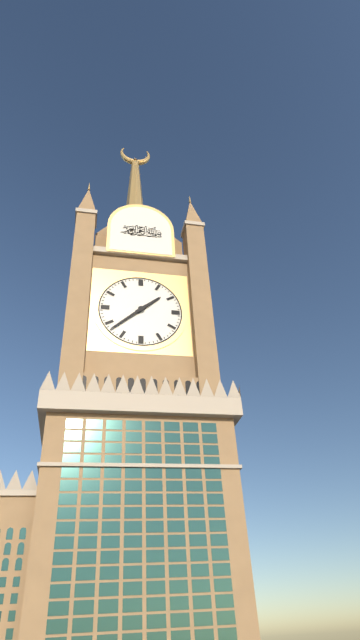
1:38
